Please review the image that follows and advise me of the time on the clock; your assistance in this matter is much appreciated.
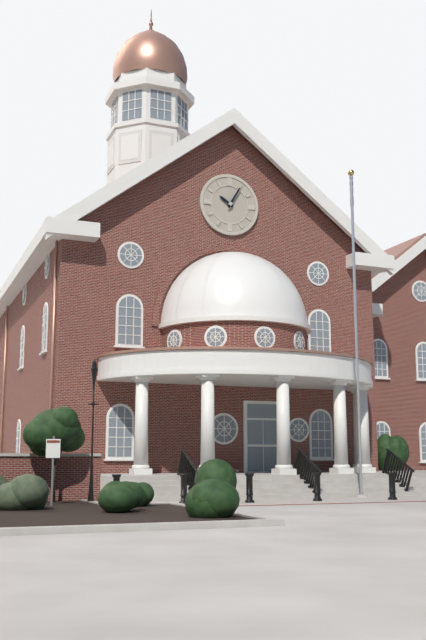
10:05
